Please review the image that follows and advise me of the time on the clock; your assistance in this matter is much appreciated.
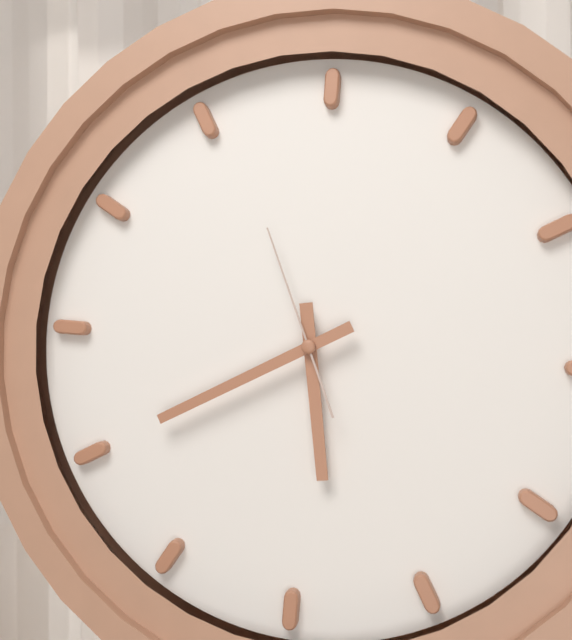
5:40:56
